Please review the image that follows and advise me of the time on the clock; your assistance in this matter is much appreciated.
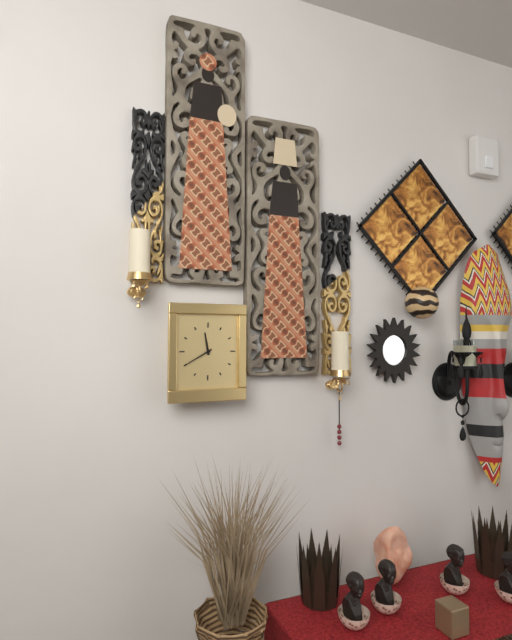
11:40
